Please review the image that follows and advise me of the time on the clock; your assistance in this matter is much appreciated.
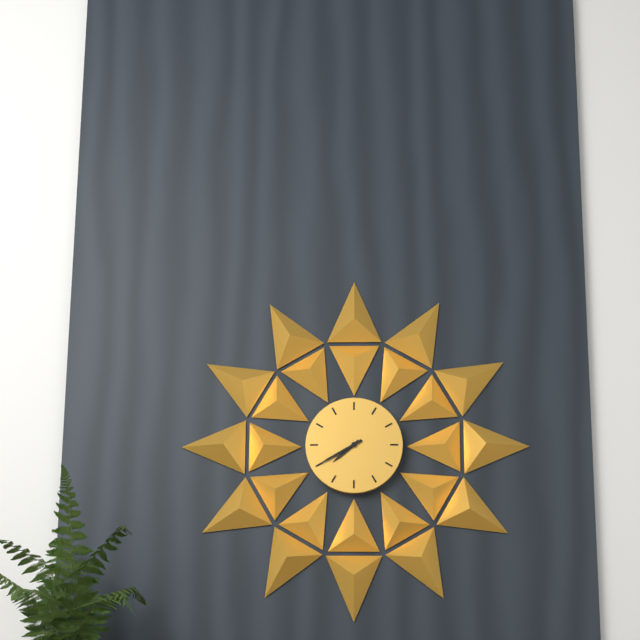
7:40
